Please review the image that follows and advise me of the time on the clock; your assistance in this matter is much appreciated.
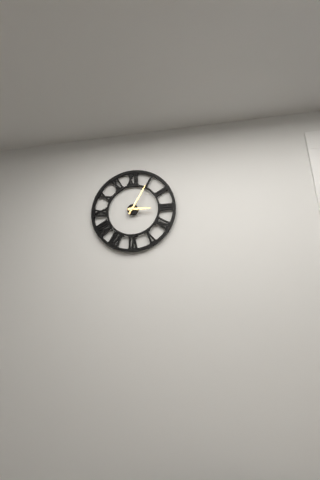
3:05
